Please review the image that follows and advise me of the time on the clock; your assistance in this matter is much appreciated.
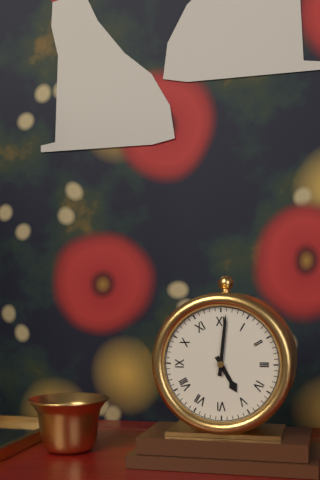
5:01
